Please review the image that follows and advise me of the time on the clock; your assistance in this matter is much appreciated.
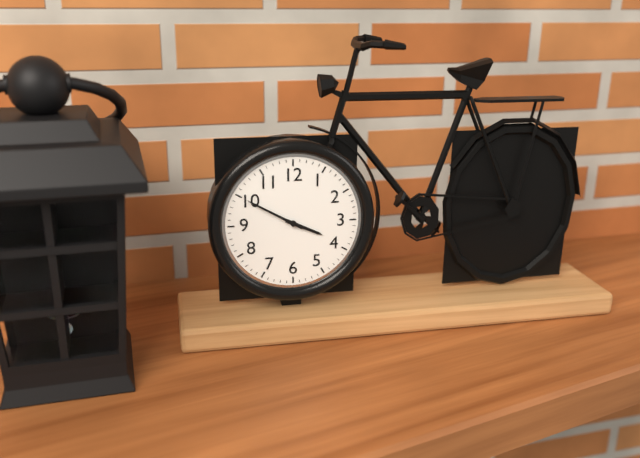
3:50
